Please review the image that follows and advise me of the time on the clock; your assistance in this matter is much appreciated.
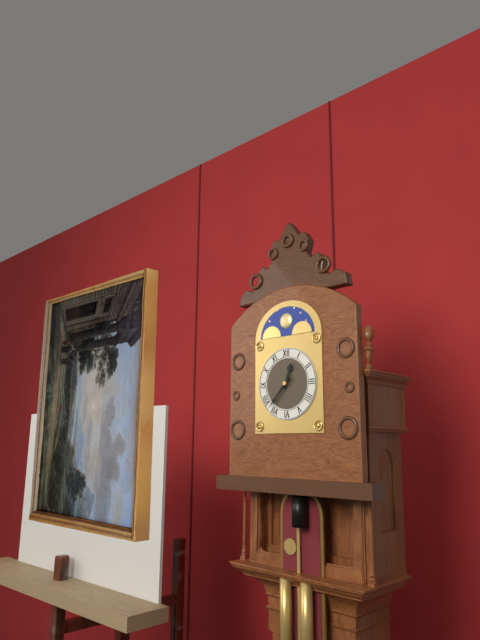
12:37
